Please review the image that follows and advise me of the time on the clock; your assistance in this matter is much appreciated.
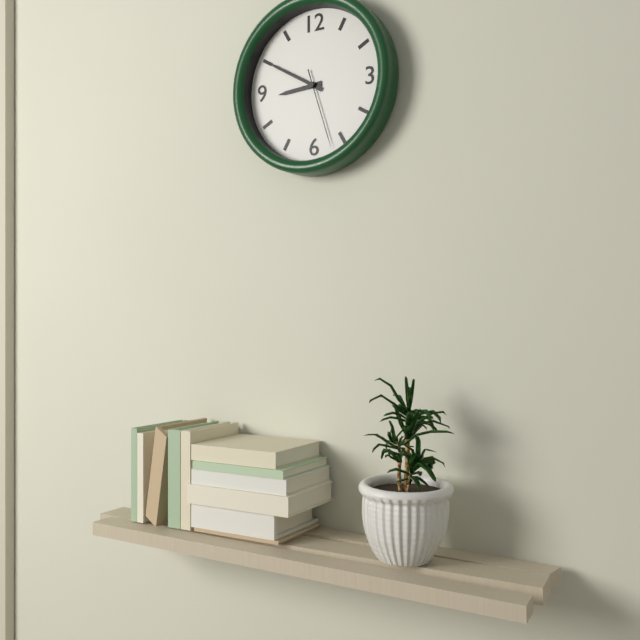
8:50:27
